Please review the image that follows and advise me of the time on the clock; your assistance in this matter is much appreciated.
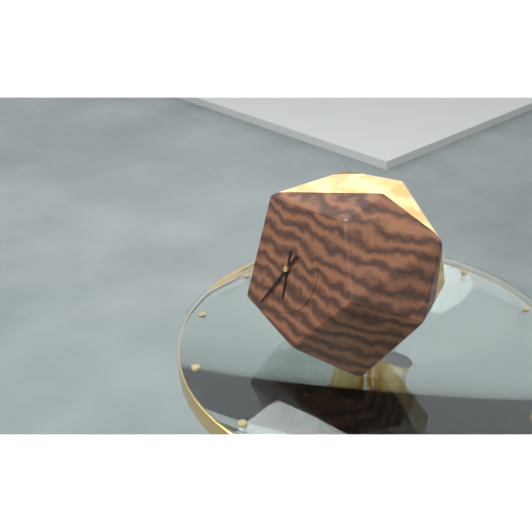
5:34
